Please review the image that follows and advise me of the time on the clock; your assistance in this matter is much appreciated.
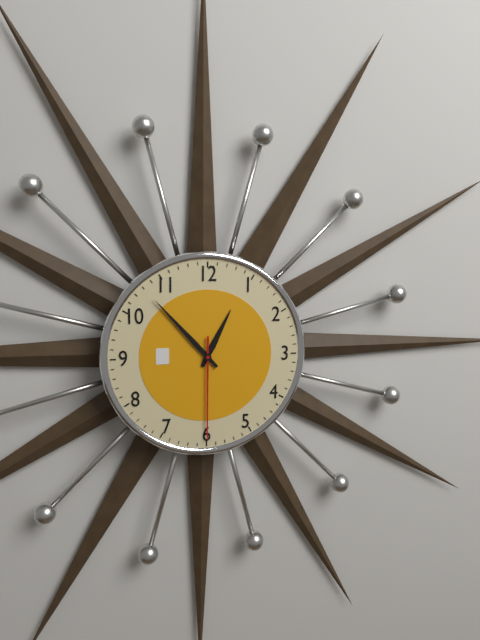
12:53:30
